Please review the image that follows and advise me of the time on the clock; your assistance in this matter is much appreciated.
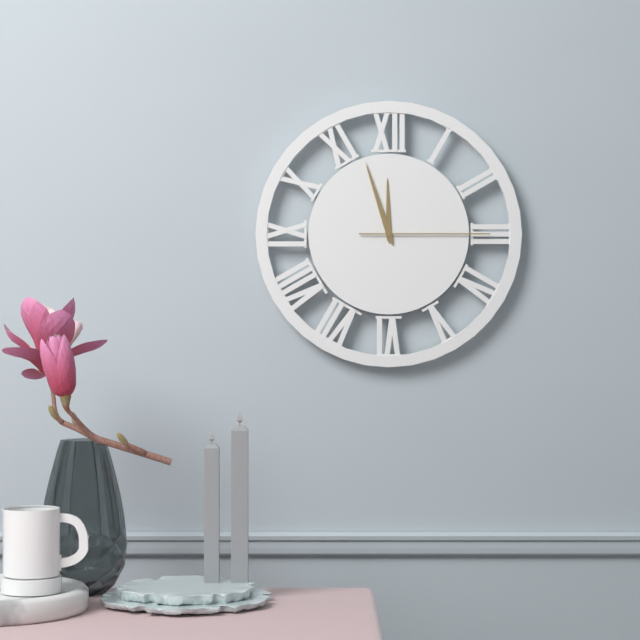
11:57:15
